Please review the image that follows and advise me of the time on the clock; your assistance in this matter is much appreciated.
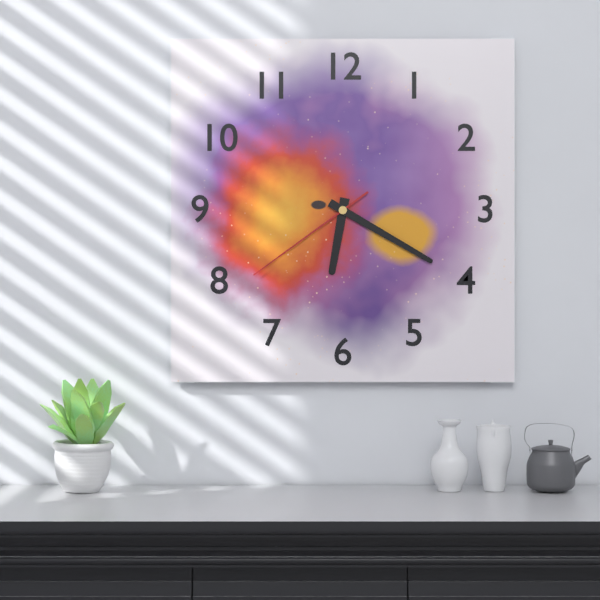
6:20:39
